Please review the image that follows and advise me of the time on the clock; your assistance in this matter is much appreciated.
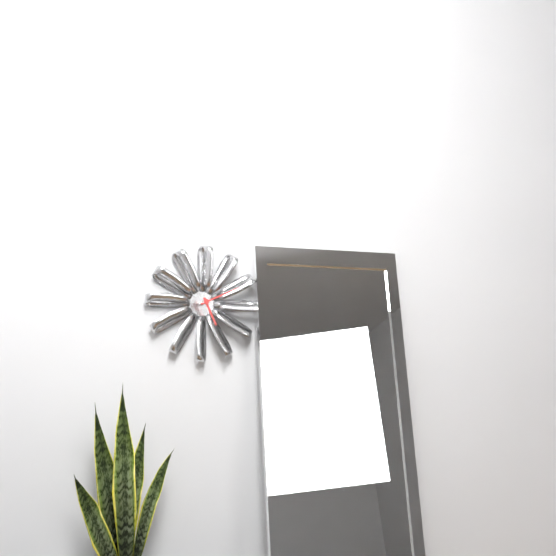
5:11
